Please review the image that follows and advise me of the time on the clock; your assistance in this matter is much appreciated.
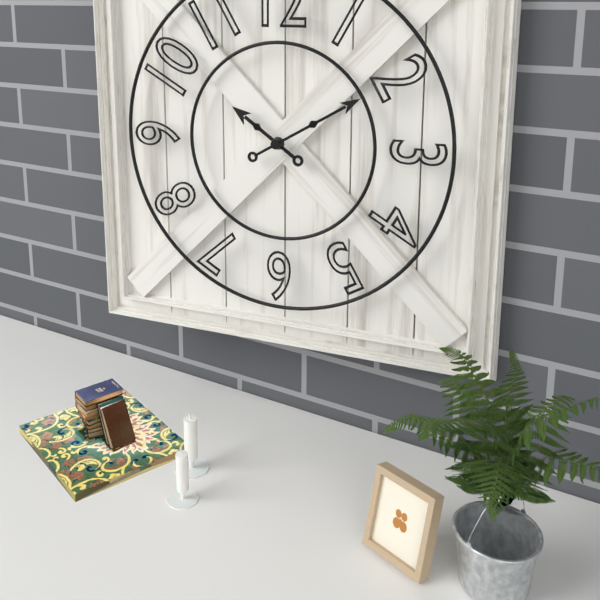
10:10
